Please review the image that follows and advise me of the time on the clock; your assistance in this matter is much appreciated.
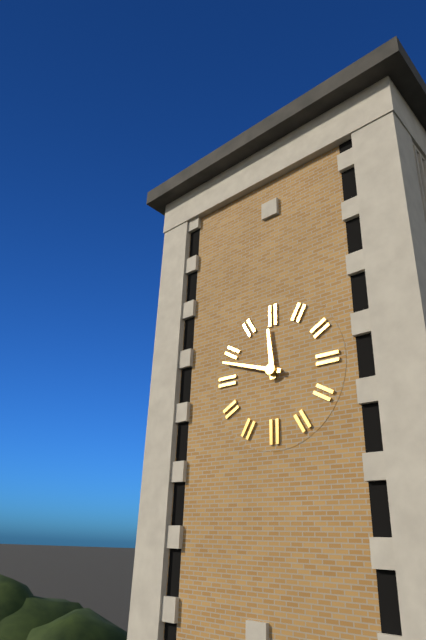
11:48
